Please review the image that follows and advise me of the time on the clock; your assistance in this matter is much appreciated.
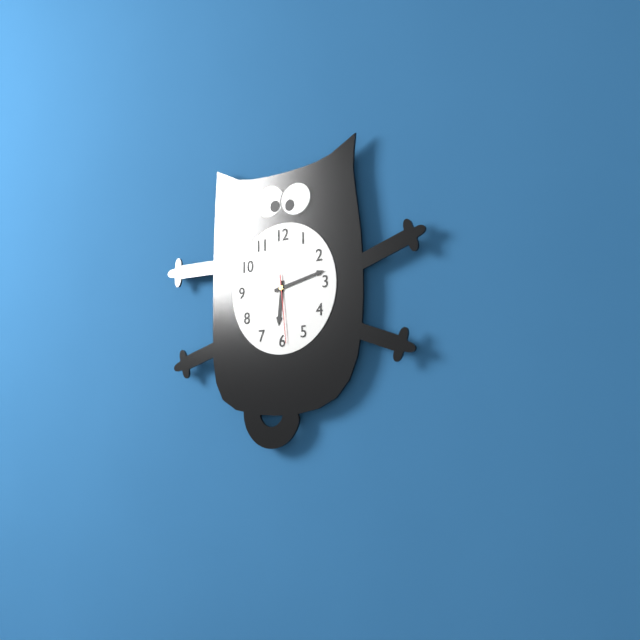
6:13:29
